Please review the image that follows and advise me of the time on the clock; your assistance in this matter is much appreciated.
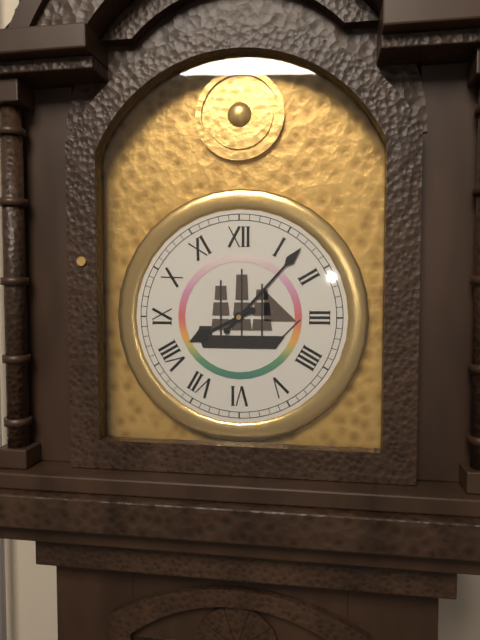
8:07
